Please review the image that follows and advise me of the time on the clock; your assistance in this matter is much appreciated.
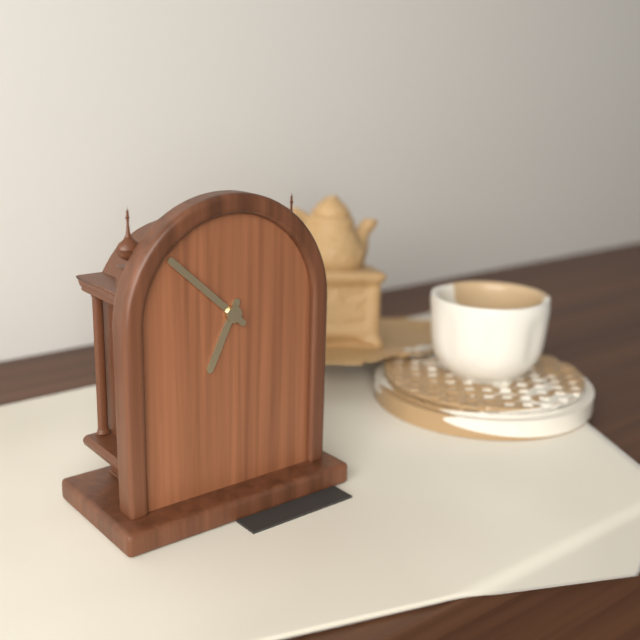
6:52
